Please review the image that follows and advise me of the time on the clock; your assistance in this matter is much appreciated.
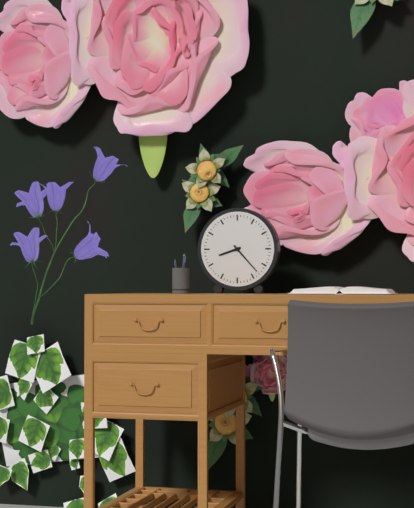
8:23
